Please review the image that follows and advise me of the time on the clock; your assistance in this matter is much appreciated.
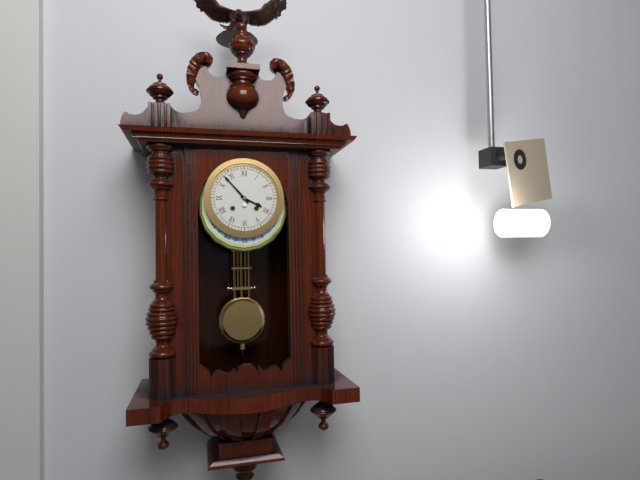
3:53
